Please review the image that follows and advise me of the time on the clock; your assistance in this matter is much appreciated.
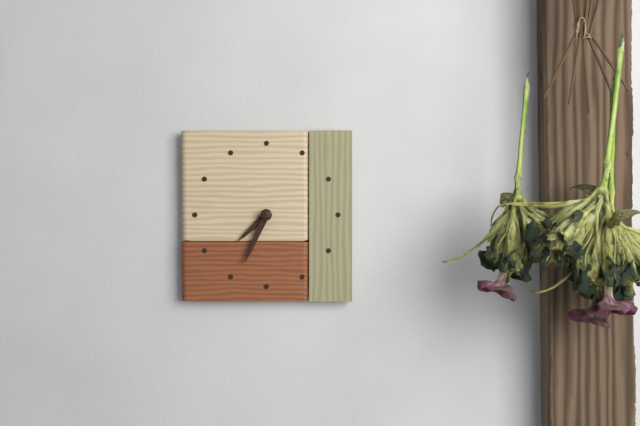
7:34
